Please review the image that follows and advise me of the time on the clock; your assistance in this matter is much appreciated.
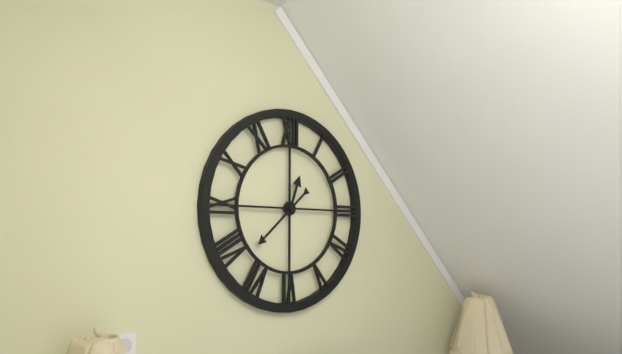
12:38
